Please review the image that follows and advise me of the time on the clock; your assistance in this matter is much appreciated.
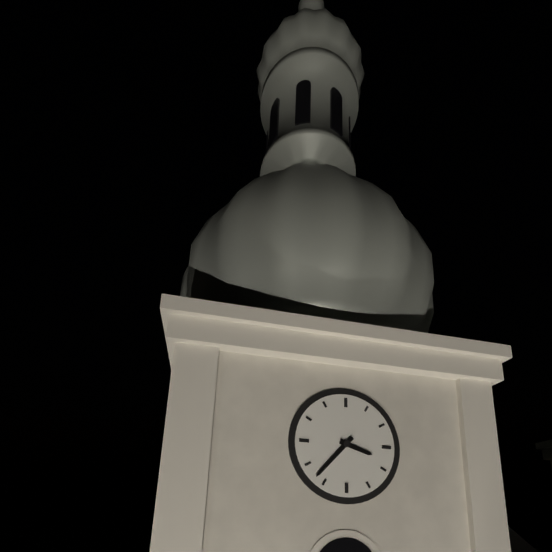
3:37
